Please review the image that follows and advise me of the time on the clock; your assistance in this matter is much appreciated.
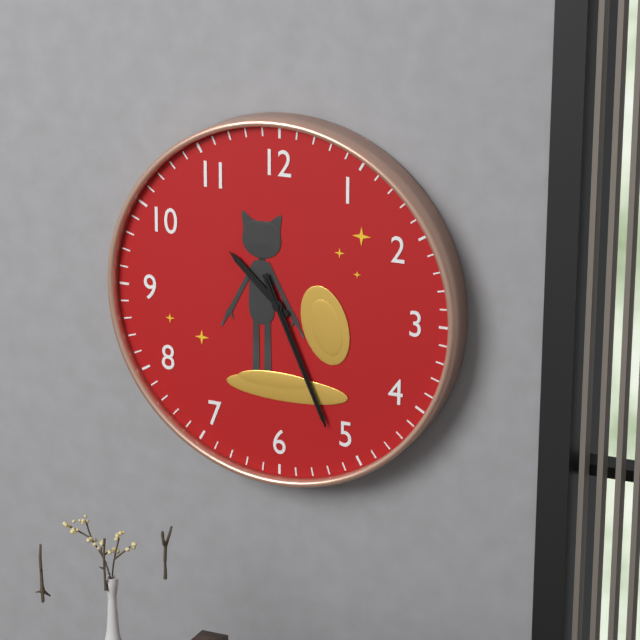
10:26:26
